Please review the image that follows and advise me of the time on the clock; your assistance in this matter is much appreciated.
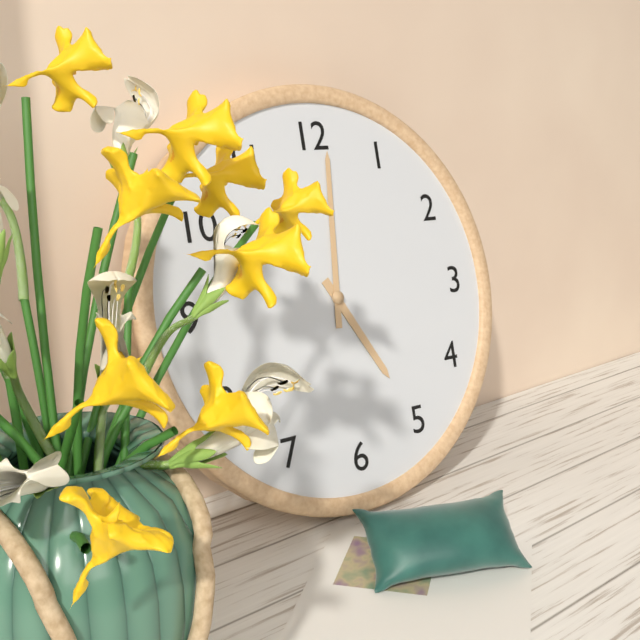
5:01
